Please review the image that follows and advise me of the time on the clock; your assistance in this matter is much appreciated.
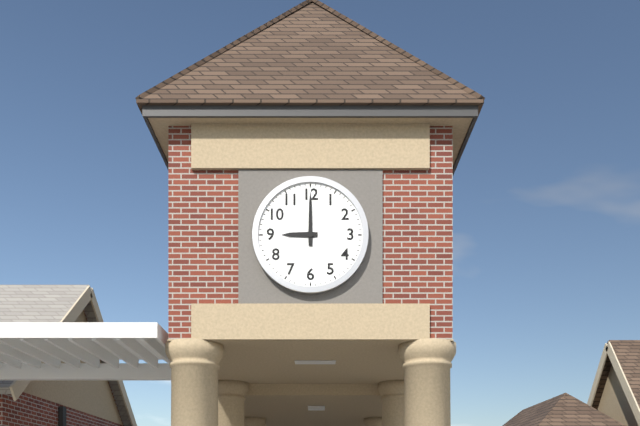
9:00
